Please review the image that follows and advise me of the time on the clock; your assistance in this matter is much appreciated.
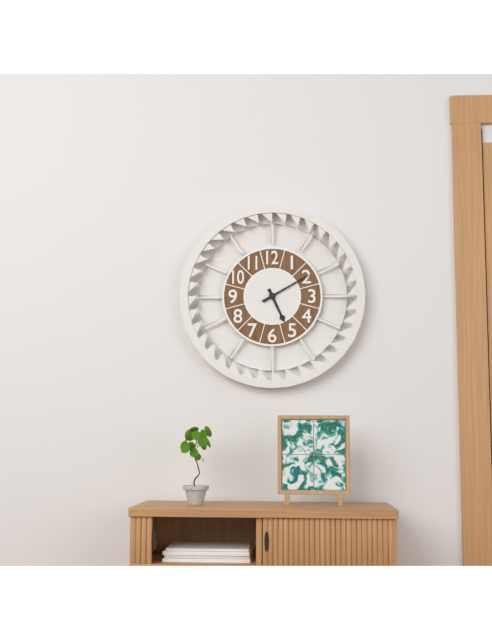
5:10
